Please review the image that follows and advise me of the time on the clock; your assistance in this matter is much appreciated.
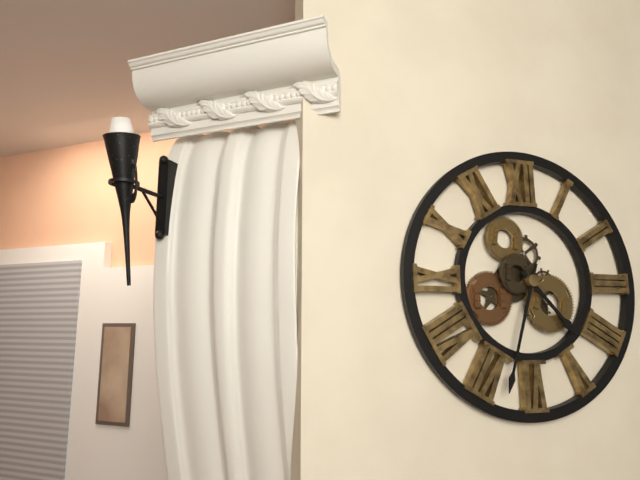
4:33
